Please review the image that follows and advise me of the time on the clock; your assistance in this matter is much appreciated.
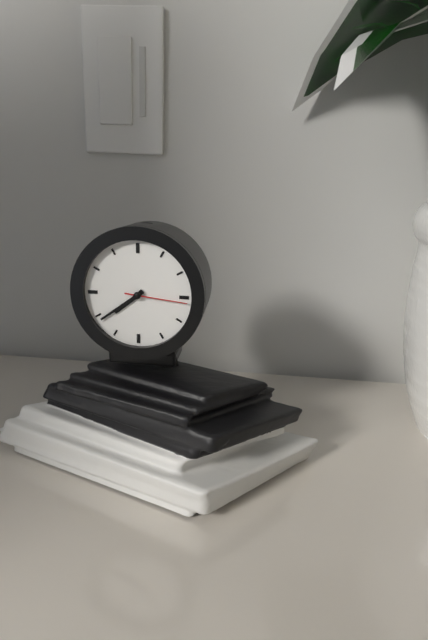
7:39:16
